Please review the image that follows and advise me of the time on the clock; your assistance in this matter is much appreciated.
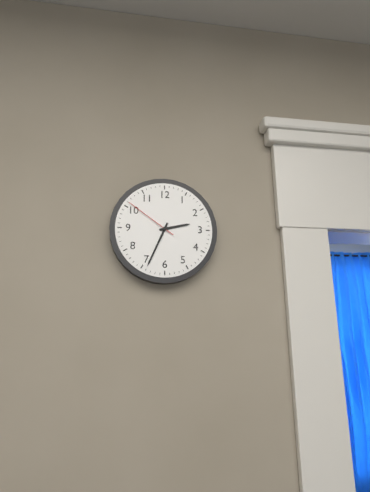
2:34:51
